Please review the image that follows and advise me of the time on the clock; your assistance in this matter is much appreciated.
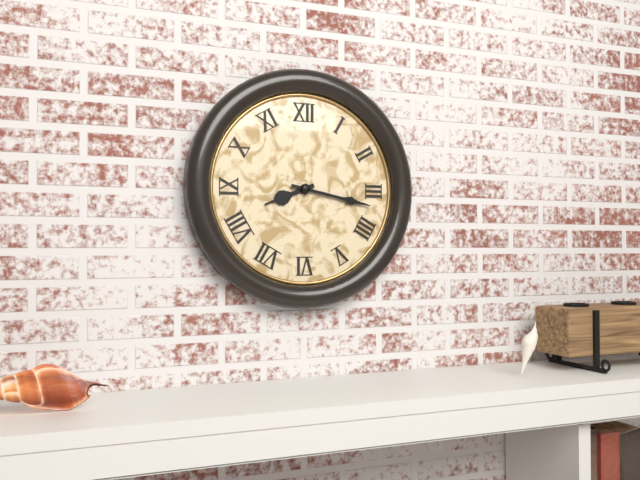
8:17
